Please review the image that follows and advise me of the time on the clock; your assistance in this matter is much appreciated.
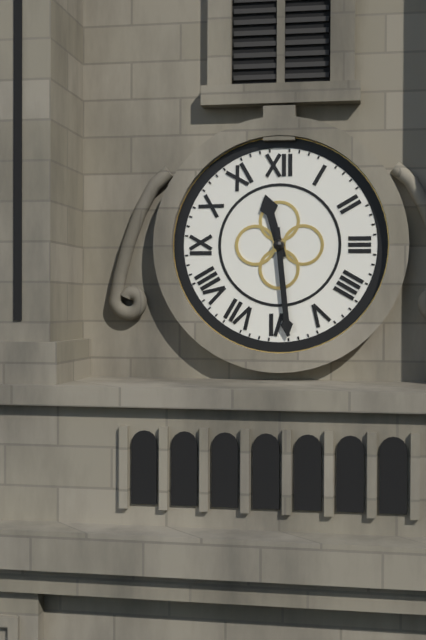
11:29
